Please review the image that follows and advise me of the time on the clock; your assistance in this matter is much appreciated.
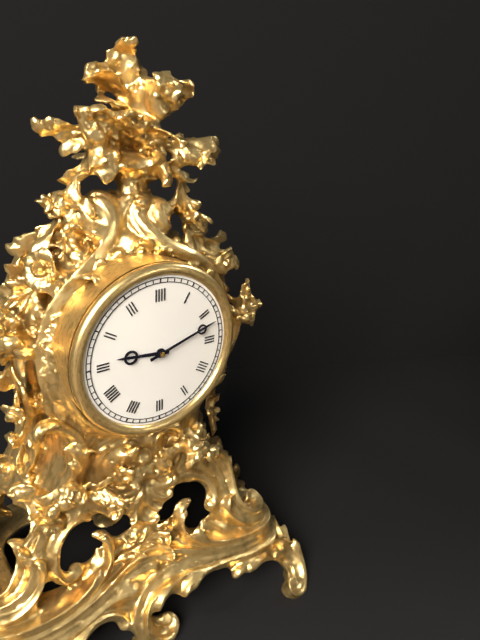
9:12
